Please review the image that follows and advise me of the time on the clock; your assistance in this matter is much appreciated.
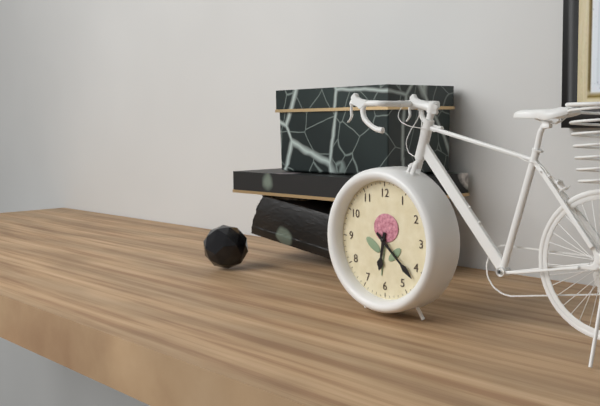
6:22
